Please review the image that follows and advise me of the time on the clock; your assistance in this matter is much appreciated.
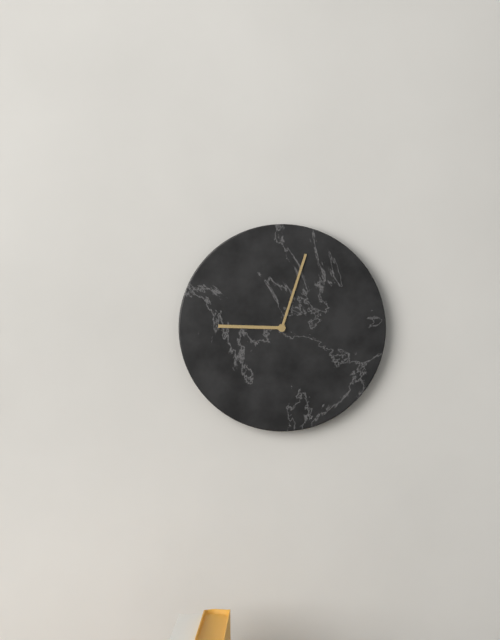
9:03
